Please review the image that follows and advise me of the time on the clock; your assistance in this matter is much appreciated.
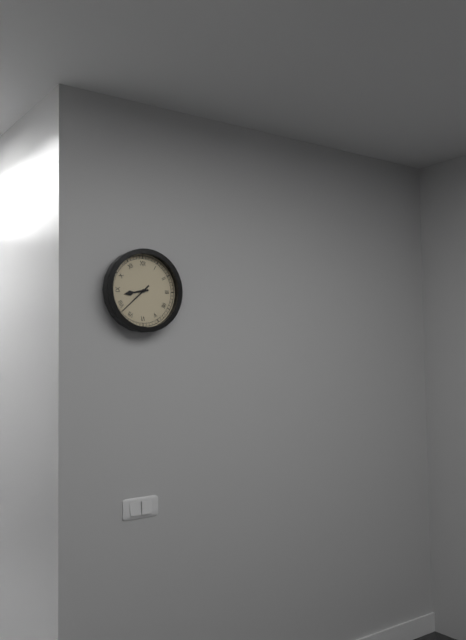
8:38
